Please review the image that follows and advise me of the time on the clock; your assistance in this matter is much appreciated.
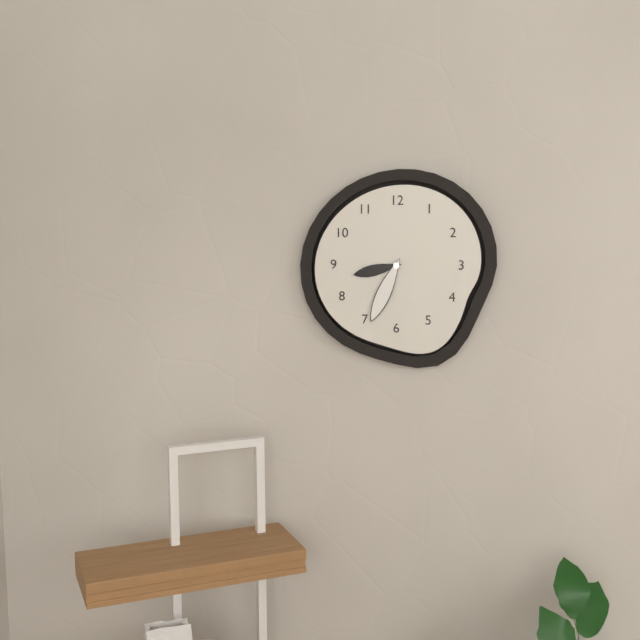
8:34
